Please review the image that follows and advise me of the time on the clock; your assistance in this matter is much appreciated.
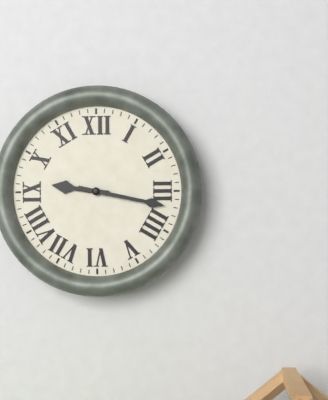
9:17
